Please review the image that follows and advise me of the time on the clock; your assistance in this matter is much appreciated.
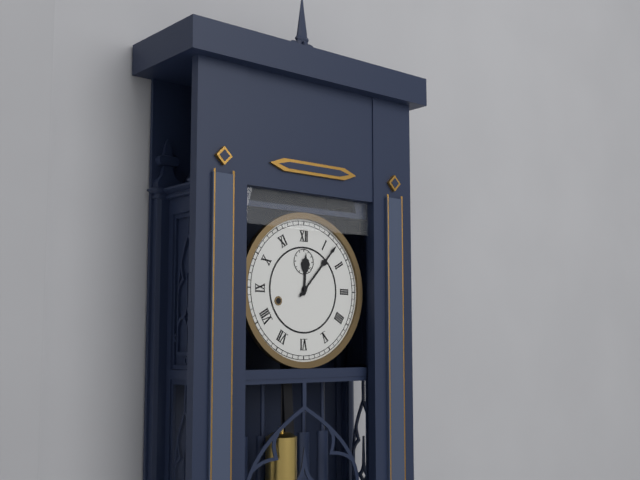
12:07
